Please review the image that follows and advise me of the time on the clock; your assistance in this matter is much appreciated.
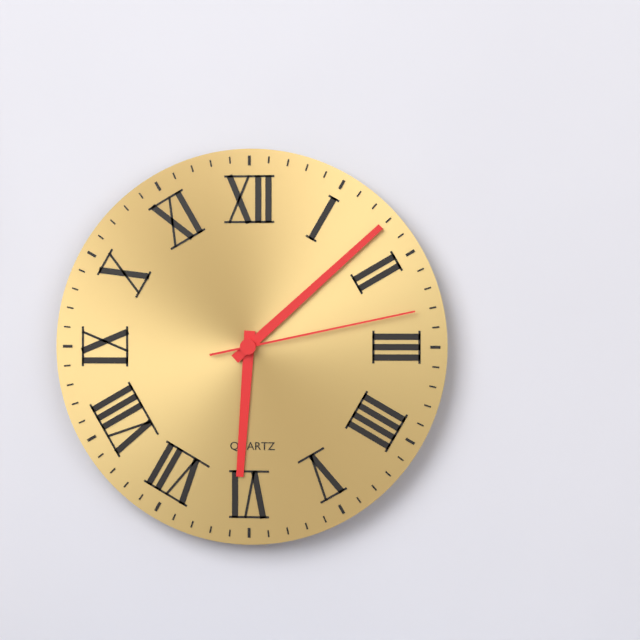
6:08:13
